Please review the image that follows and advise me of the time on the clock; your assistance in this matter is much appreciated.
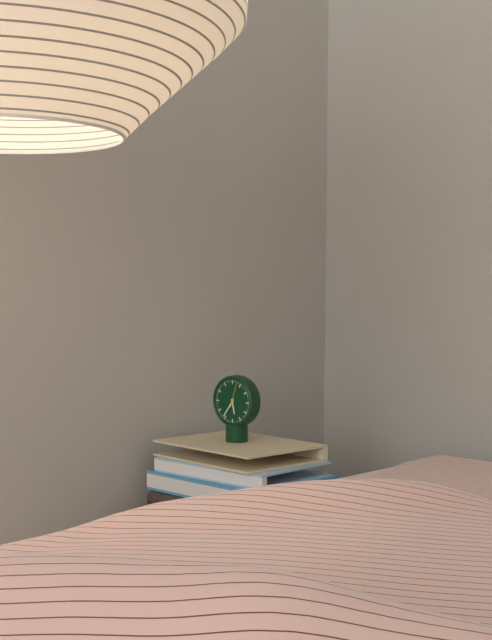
5:36
